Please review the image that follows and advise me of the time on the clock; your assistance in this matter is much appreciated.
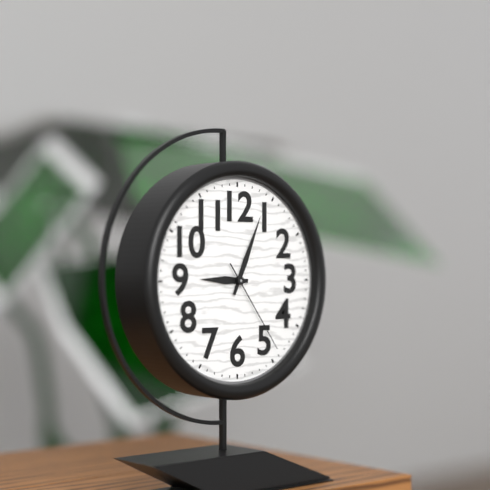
9:04:24
